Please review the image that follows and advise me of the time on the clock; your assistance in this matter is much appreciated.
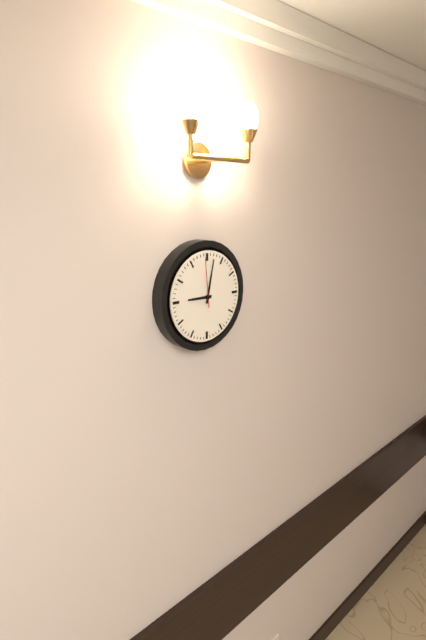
9:02
